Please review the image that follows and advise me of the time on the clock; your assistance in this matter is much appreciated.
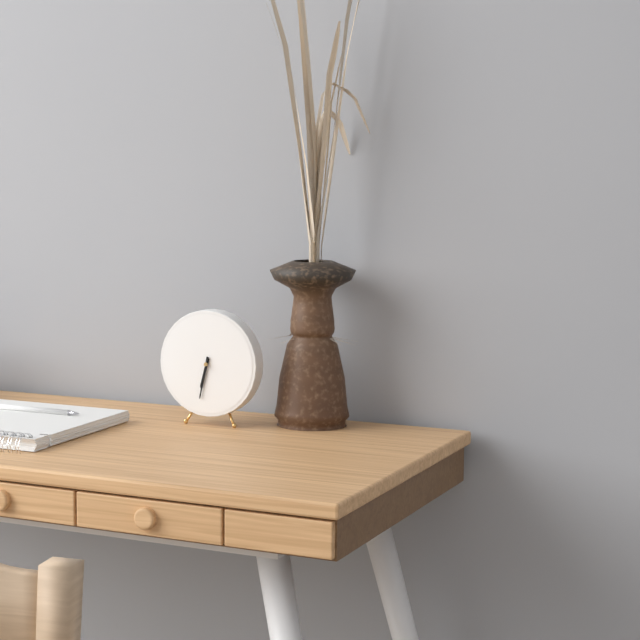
6:32
